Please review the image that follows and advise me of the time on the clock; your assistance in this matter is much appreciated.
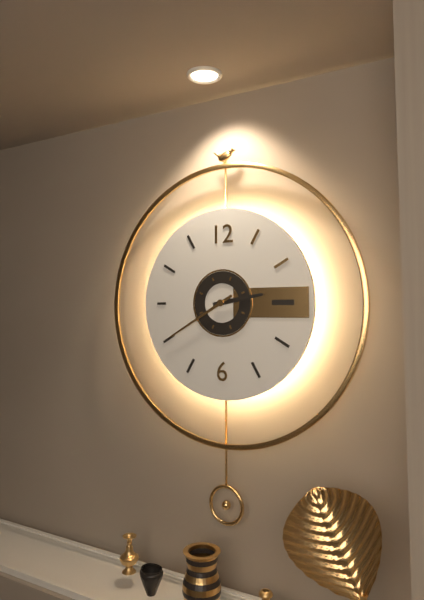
2:40
